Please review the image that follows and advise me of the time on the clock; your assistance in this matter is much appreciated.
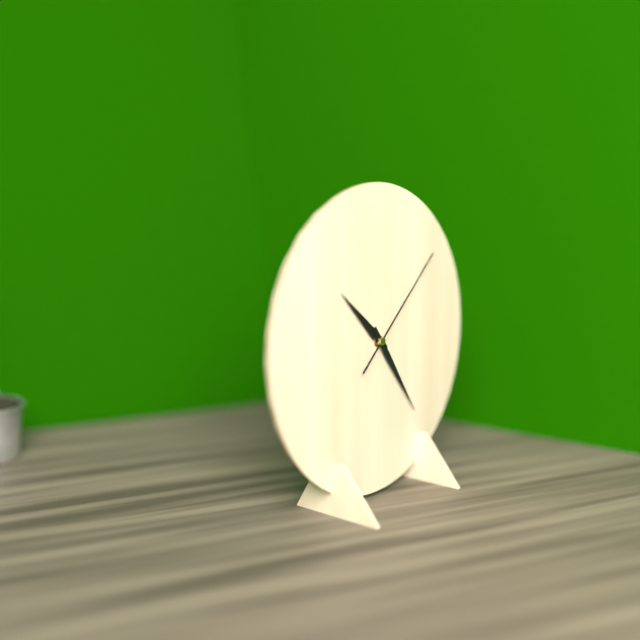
10:24:08
